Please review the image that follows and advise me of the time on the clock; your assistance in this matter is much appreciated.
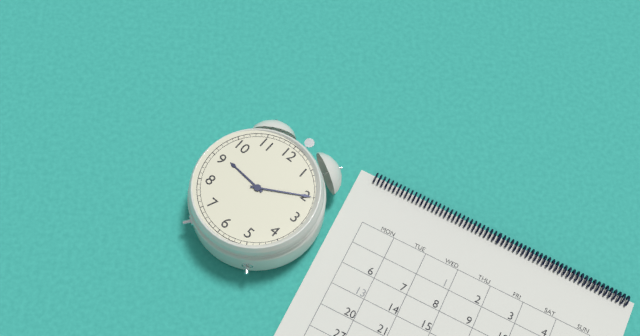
9:10
